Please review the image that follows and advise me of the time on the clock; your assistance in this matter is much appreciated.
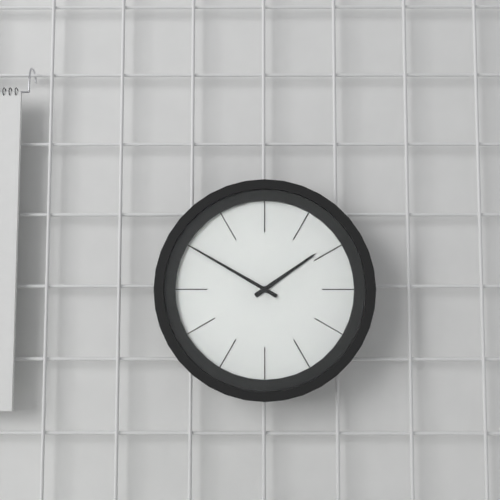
1:50
